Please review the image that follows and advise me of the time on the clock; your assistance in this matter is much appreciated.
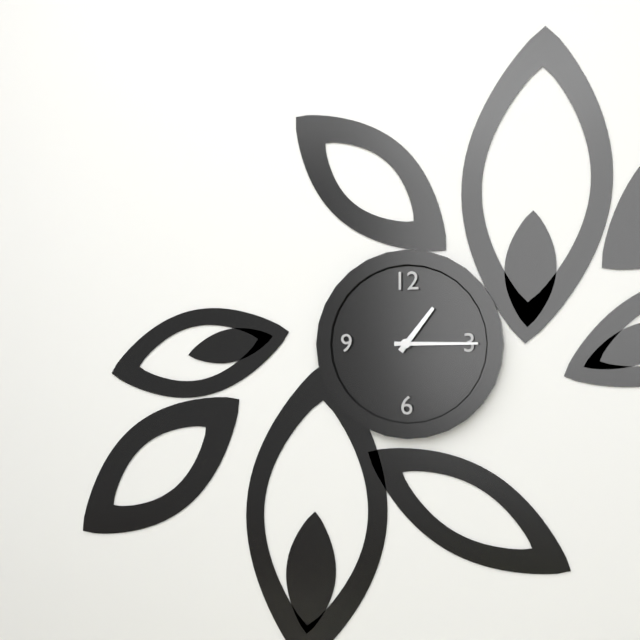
1:15
